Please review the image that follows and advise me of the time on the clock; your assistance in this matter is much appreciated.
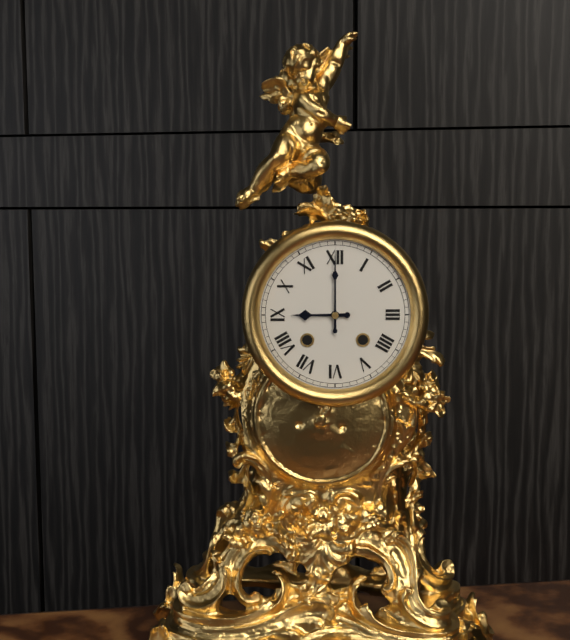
9:00
